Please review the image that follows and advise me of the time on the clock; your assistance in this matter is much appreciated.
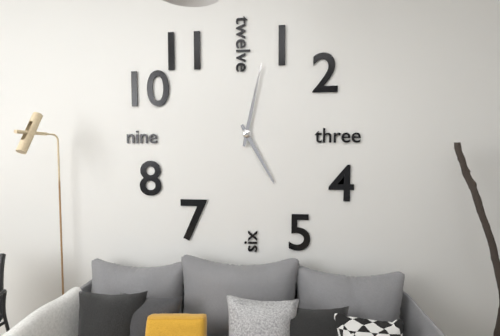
5:02
